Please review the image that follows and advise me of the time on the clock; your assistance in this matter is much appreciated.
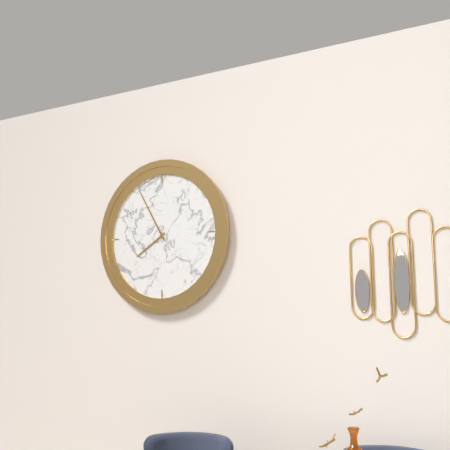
7:55
